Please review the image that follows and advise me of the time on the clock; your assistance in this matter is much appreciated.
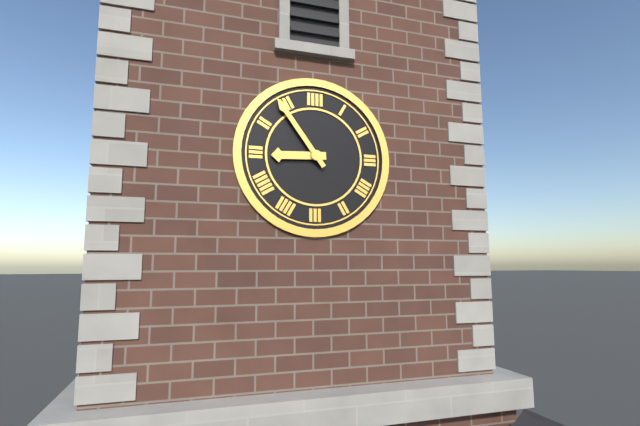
8:54
